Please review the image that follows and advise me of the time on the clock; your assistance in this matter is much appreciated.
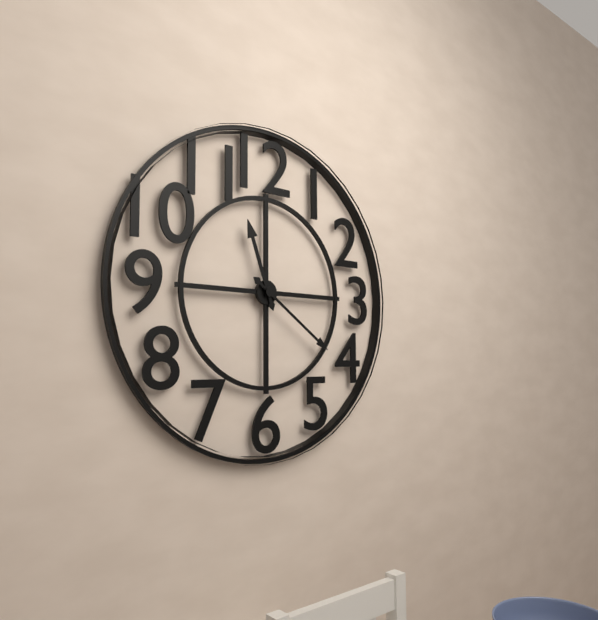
11:21
